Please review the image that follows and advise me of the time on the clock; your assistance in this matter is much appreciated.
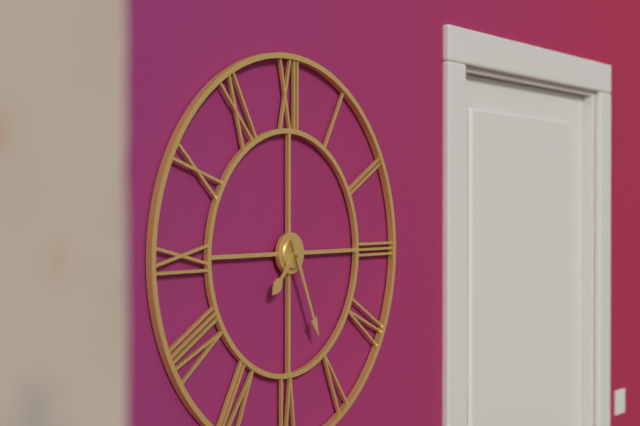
7:26
